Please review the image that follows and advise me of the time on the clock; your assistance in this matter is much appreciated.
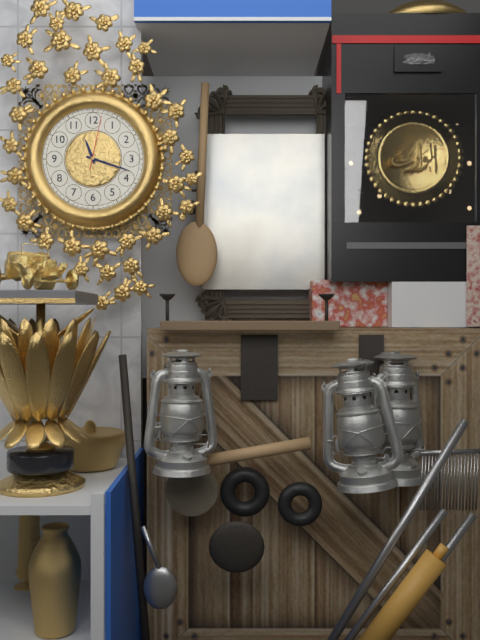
11:18:02
